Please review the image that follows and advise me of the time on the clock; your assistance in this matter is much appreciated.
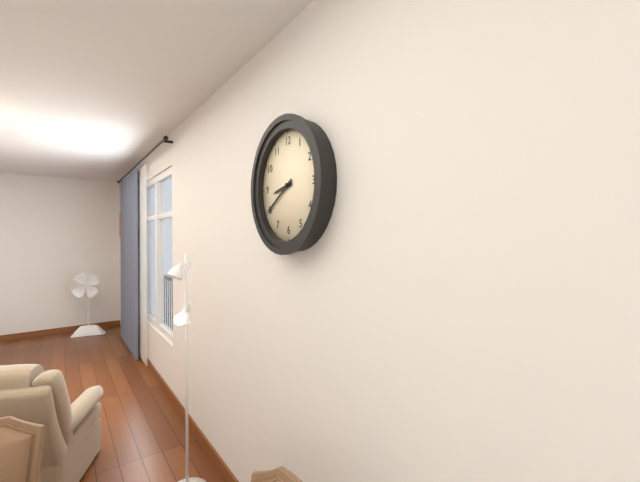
8:40
